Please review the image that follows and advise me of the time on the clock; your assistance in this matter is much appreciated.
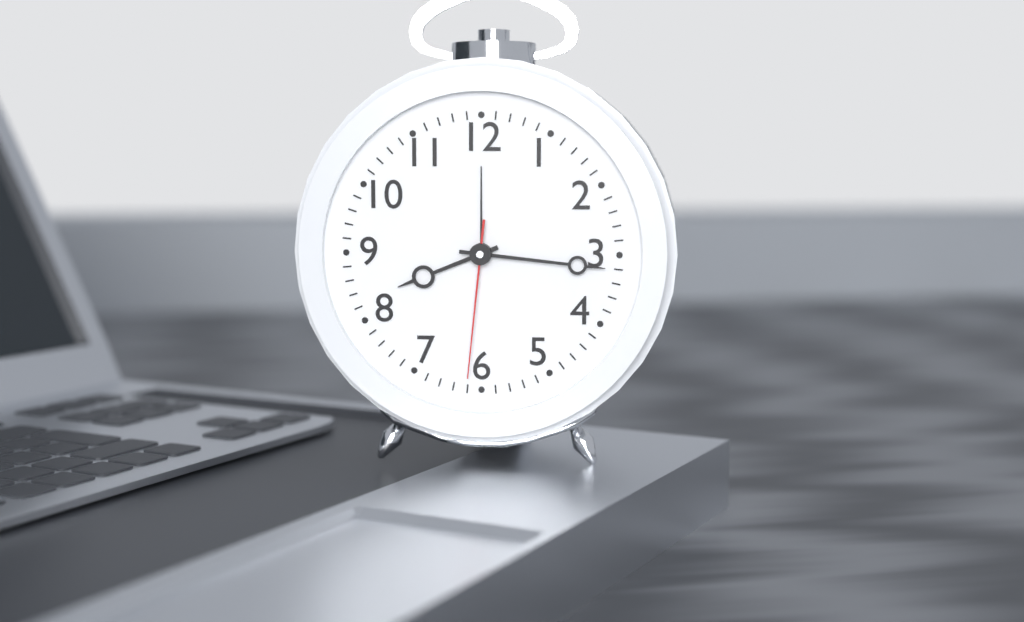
8:16:31
